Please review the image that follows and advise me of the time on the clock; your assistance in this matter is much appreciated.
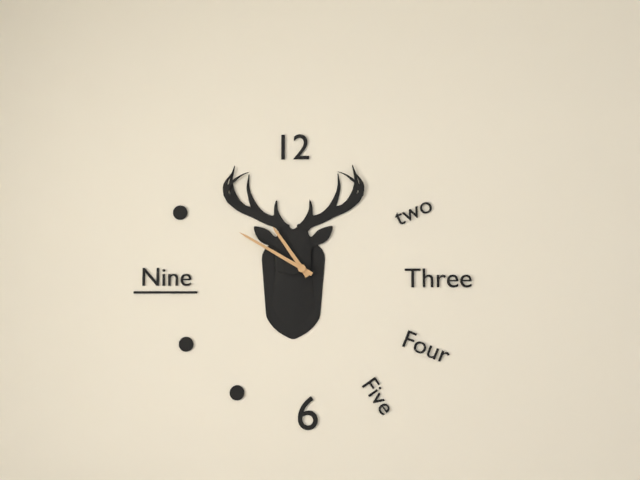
10:50
